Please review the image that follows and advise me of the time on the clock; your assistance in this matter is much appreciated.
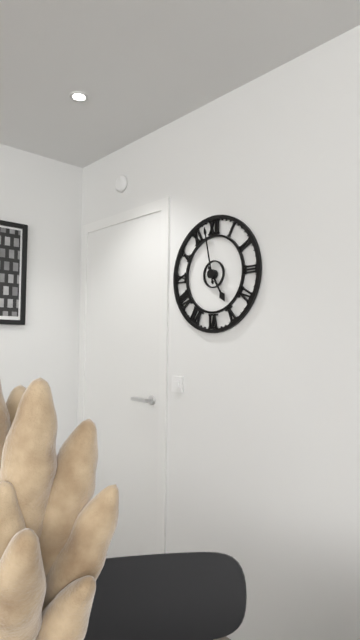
4:58
